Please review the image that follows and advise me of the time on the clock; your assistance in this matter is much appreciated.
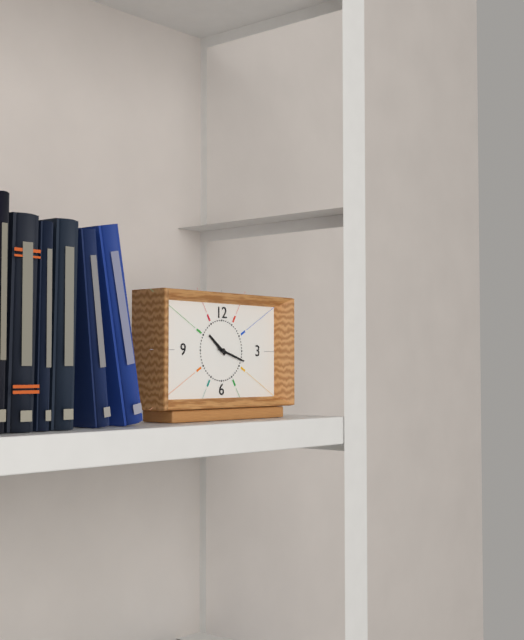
10:18
